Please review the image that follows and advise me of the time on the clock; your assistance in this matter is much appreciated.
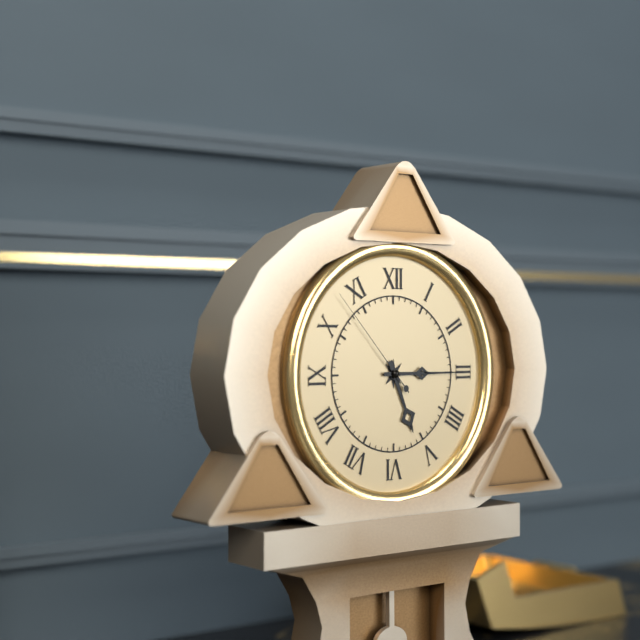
5:15:53
